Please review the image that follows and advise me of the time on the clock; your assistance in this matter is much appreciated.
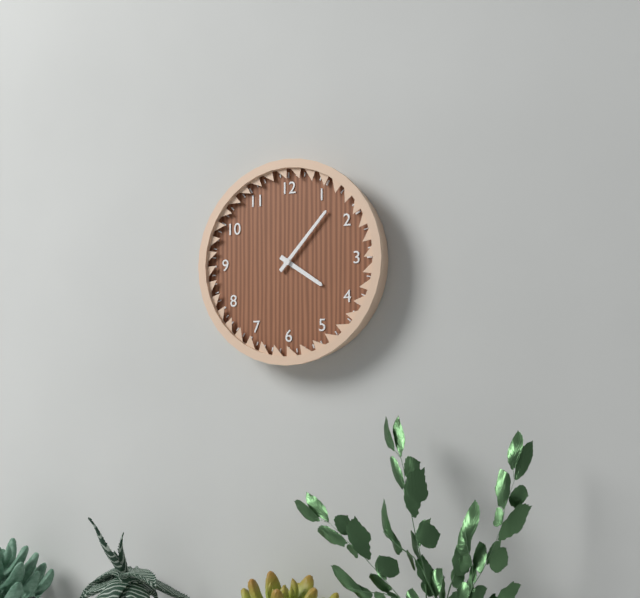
4:07
